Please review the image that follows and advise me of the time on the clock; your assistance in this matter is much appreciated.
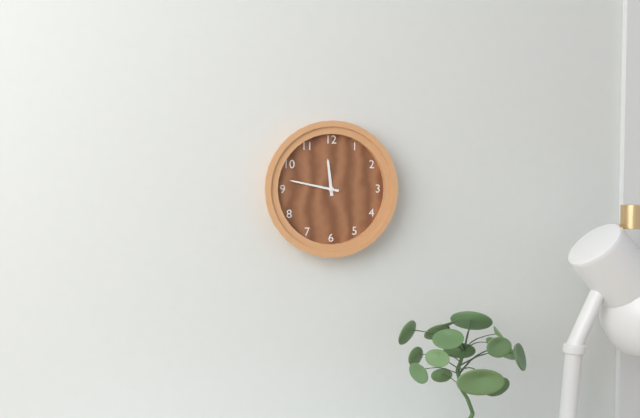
11:47
